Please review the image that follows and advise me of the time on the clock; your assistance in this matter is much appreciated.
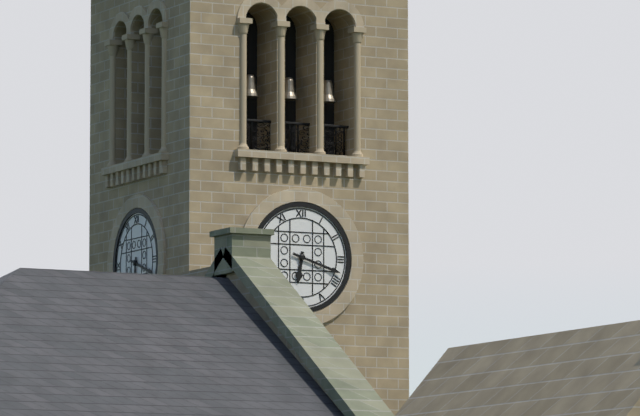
6:18
